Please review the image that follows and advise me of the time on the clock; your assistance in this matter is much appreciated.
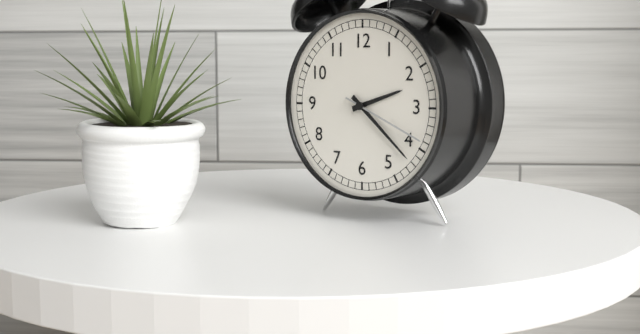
2:22:19
